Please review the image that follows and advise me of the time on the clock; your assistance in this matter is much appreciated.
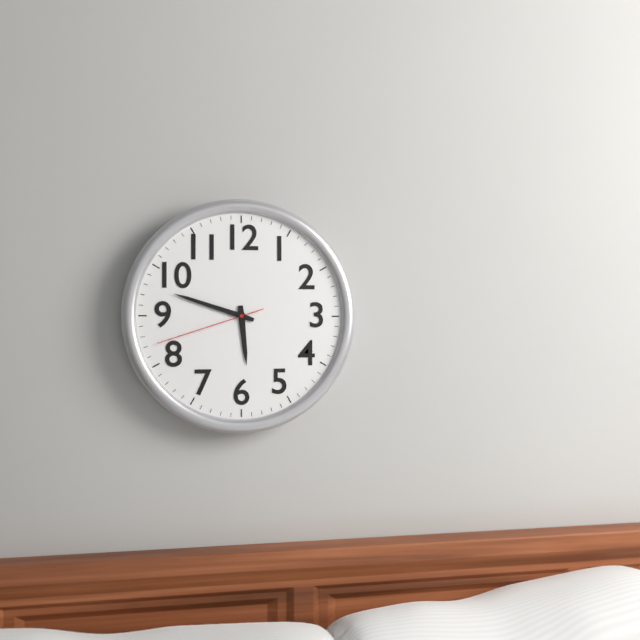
5:48:42
